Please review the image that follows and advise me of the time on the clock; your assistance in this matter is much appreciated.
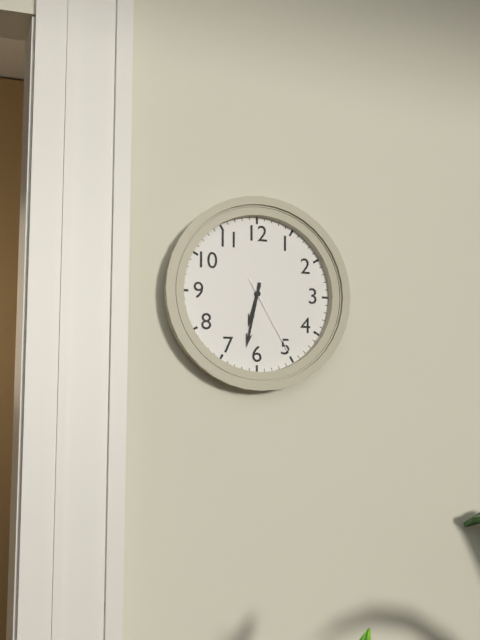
6:32:25
